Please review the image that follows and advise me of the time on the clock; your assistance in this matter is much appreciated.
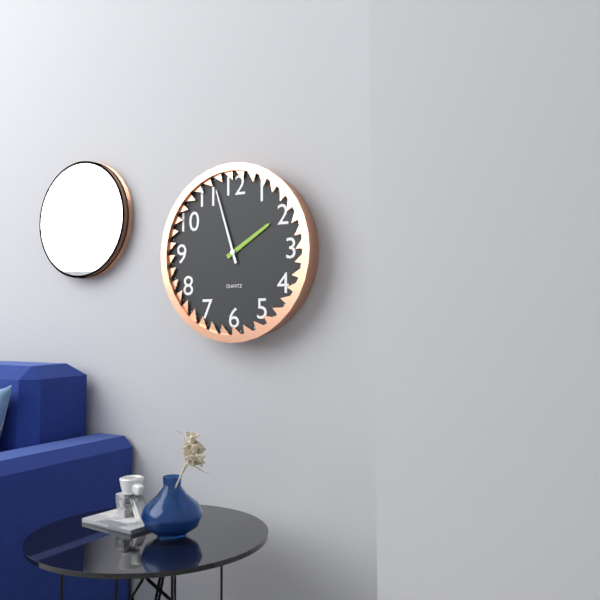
1:57
